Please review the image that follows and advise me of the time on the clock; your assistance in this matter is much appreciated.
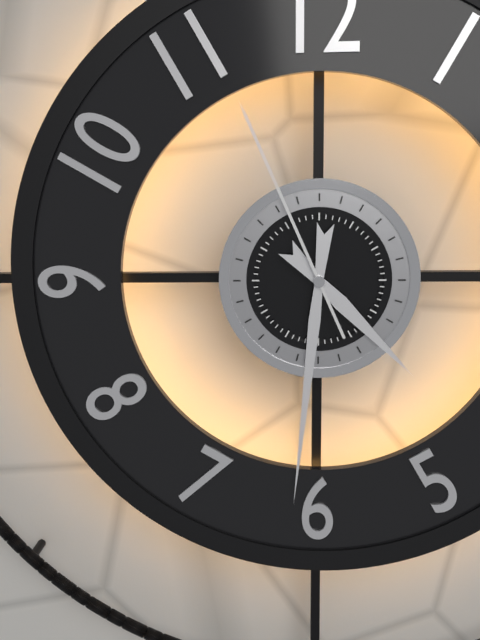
4:31:56
